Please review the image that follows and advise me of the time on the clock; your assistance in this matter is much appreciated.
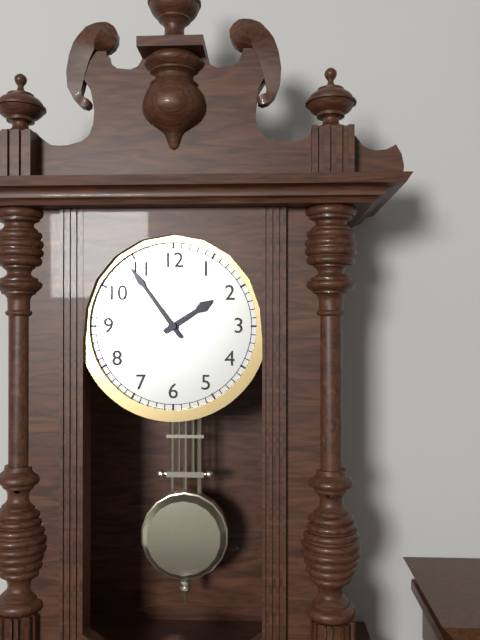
1:54
